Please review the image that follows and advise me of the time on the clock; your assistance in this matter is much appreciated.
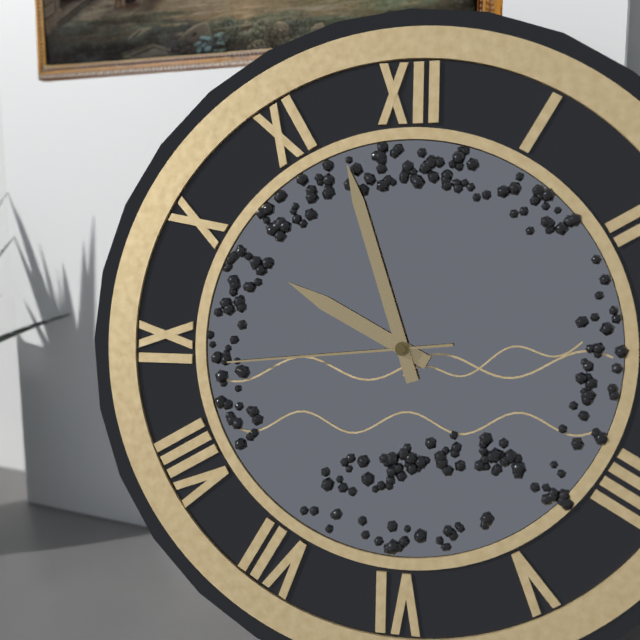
9:57:44
